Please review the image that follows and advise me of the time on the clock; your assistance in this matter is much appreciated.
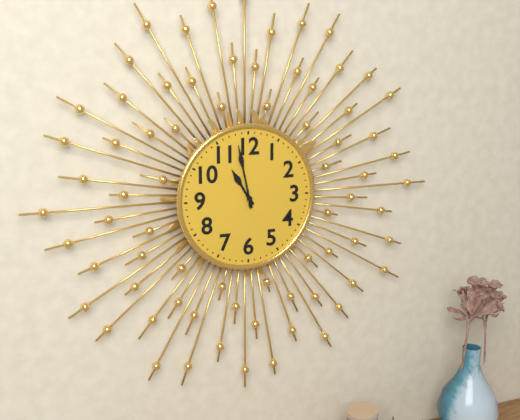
10:58
